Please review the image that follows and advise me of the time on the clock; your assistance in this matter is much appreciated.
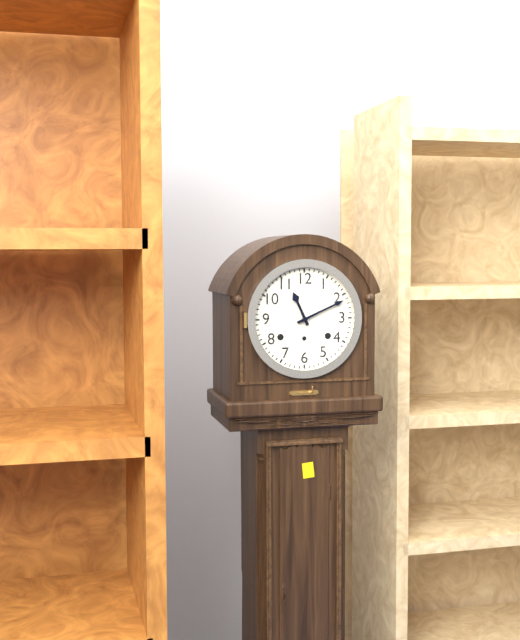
11:11
